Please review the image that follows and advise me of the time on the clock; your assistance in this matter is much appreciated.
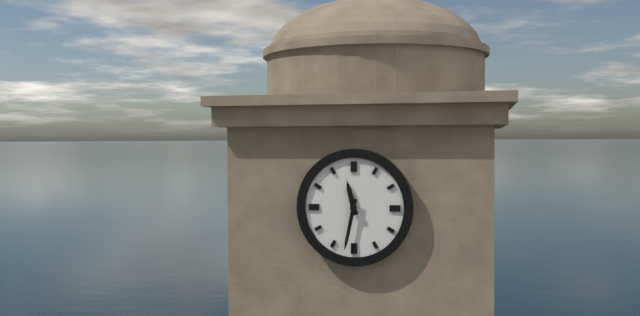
11:32
